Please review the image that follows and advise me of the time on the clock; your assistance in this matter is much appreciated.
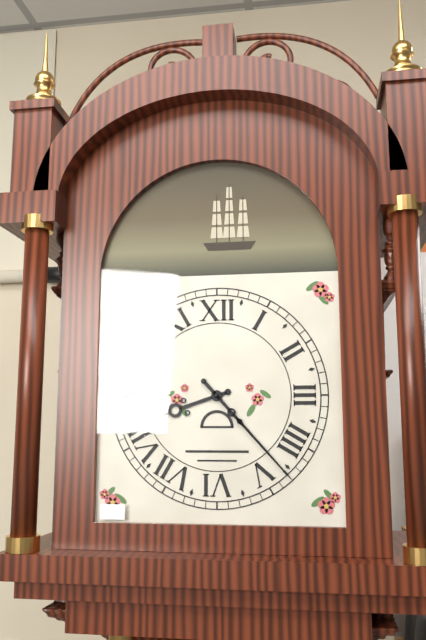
8:23
